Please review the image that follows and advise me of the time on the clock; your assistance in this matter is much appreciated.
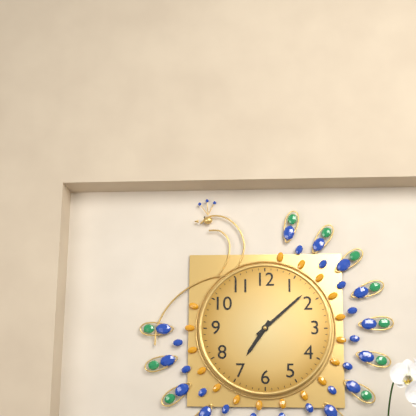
7:08
